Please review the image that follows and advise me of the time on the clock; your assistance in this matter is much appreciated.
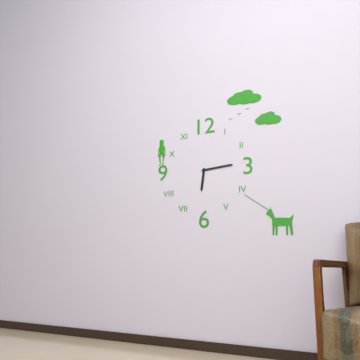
6:14
